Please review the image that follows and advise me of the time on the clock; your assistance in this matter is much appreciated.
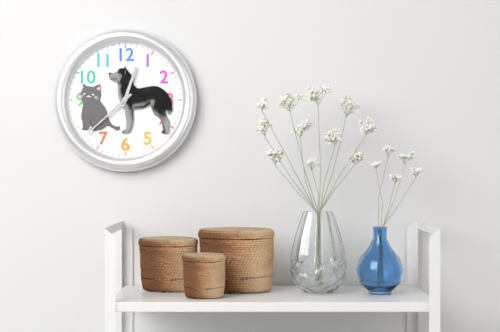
12:38
